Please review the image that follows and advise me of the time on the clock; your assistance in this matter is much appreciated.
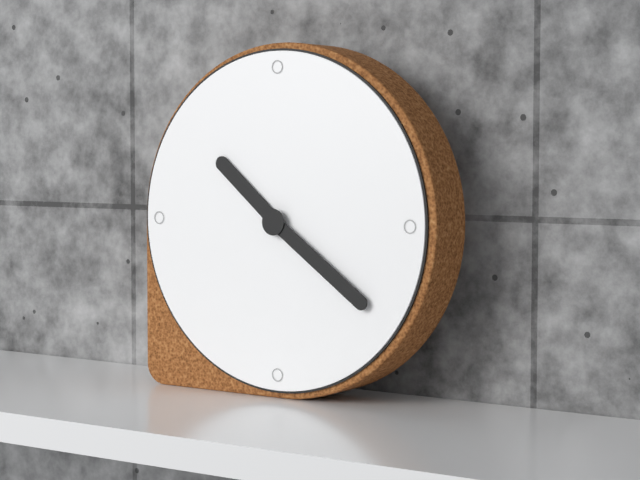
10:21
